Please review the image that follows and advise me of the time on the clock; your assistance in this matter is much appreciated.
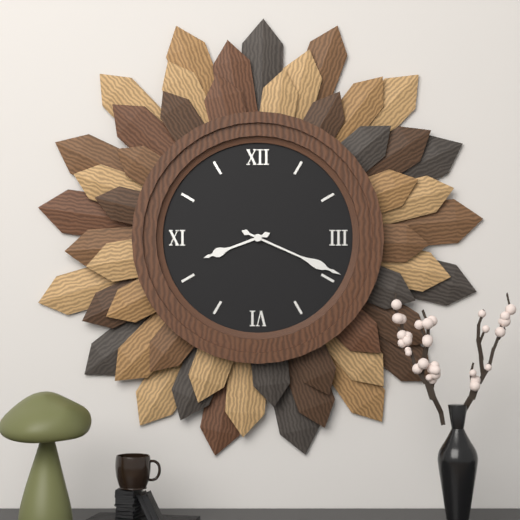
8:19
